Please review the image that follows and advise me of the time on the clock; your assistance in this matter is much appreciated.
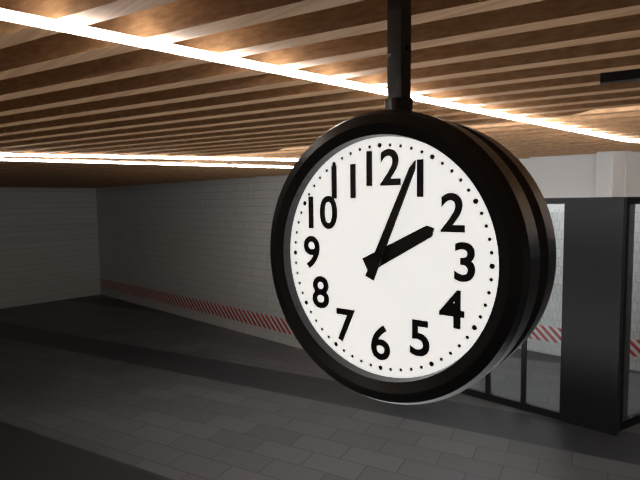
2:04
